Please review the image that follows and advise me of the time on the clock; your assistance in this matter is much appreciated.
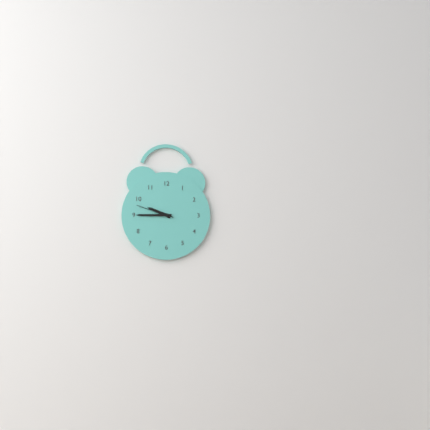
9:45
